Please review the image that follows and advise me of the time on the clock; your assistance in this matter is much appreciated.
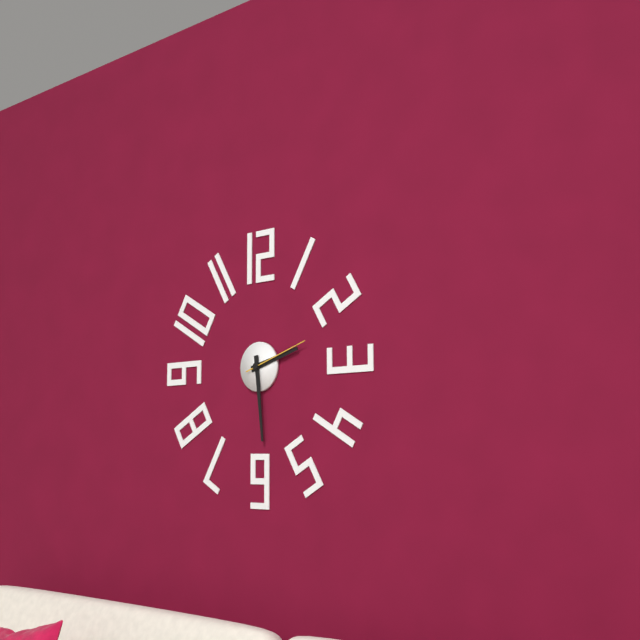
2:29:12
